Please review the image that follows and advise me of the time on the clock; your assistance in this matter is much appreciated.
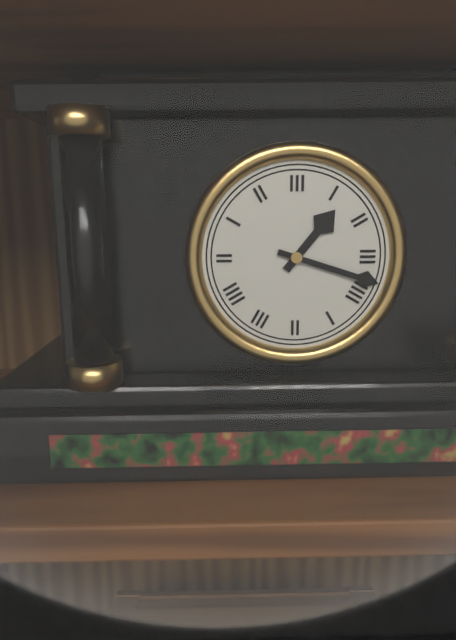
1:18
